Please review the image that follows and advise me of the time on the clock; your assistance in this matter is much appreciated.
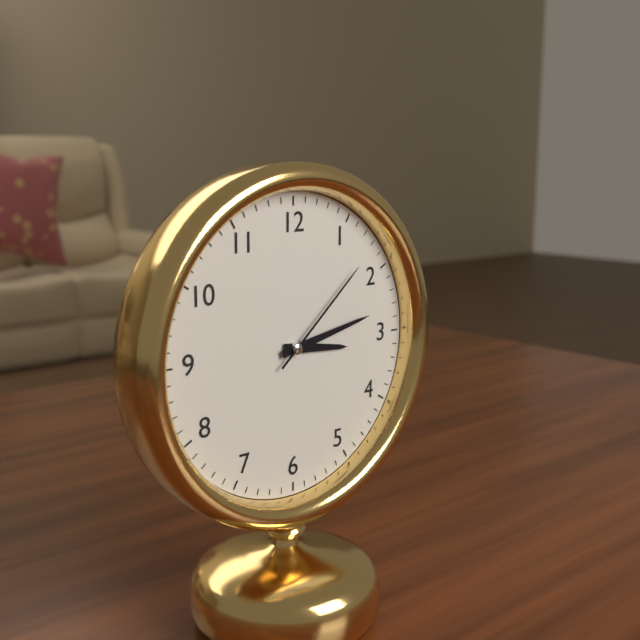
3:13:08
